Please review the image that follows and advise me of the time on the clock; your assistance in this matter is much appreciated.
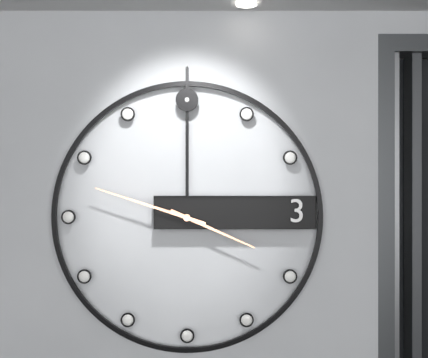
3:48
